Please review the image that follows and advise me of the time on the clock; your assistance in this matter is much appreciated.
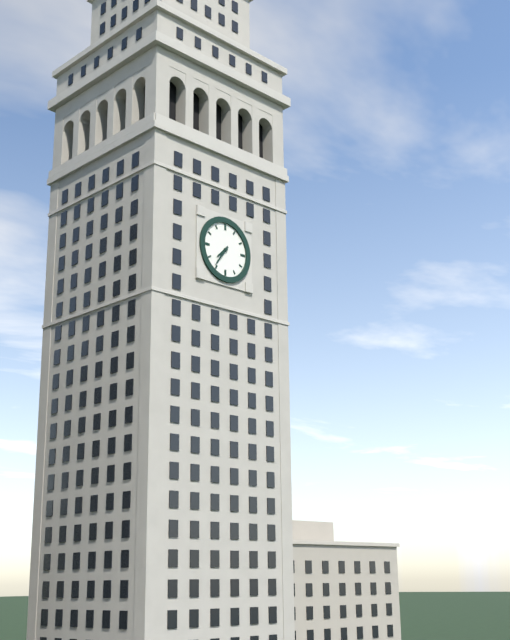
7:36
